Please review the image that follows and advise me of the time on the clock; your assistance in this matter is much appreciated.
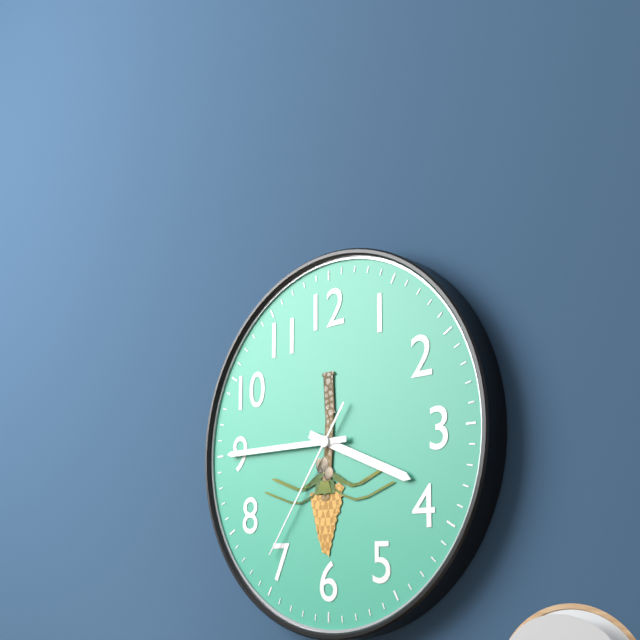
3:45:36
